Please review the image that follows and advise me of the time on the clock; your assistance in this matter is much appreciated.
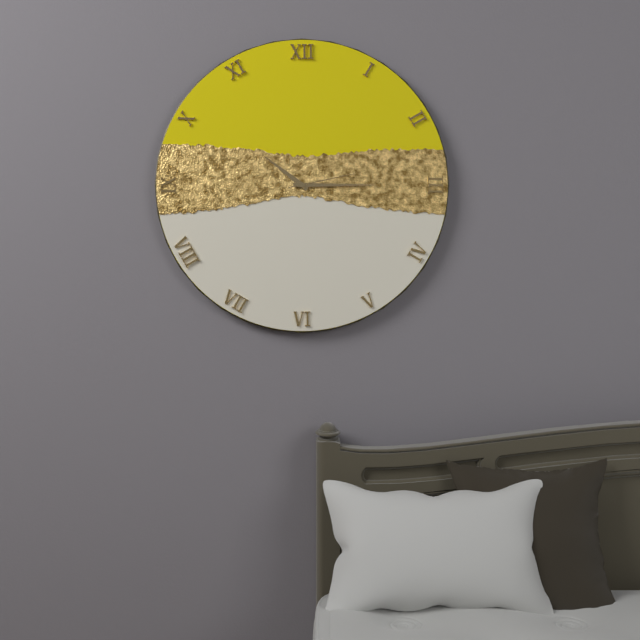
10:15:13
